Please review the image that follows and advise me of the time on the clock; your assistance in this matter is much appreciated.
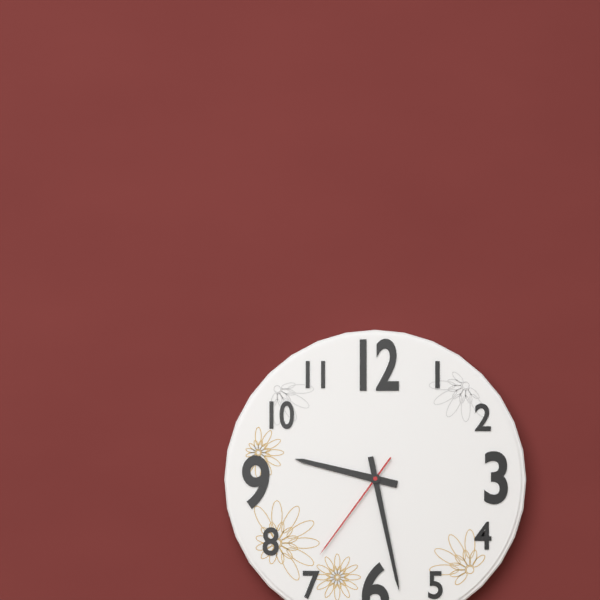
9:28:36
